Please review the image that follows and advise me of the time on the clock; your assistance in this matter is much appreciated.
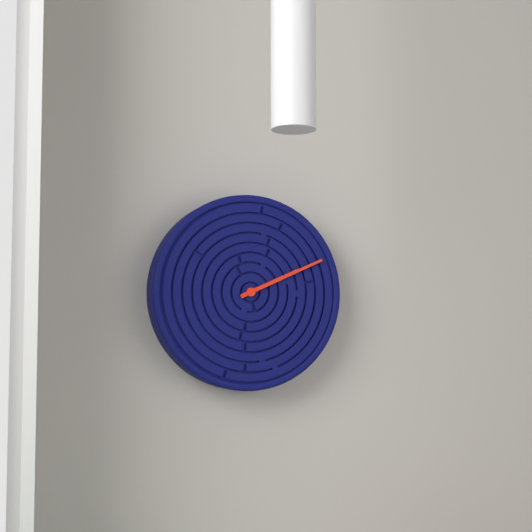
2:11
